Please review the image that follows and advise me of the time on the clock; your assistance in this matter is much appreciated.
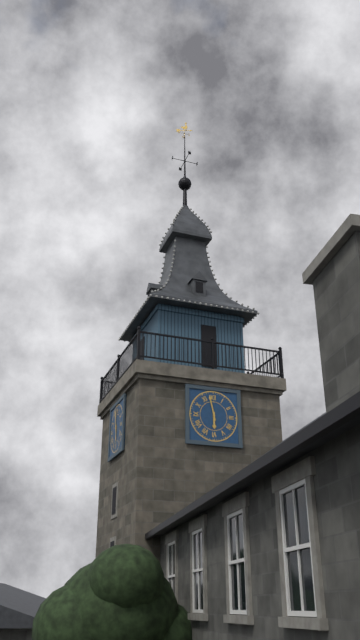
5:58
